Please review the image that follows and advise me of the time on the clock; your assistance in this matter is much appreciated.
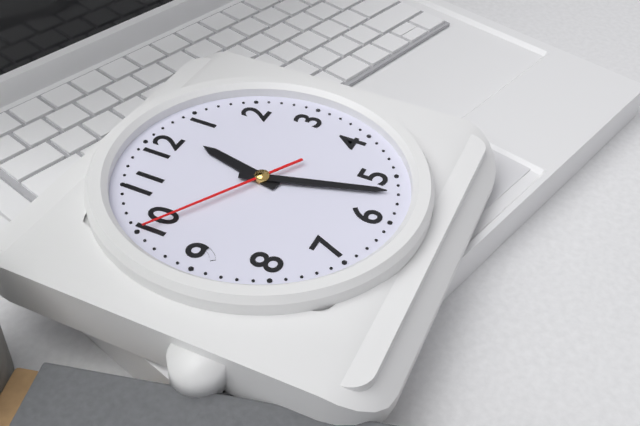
12:27:50
